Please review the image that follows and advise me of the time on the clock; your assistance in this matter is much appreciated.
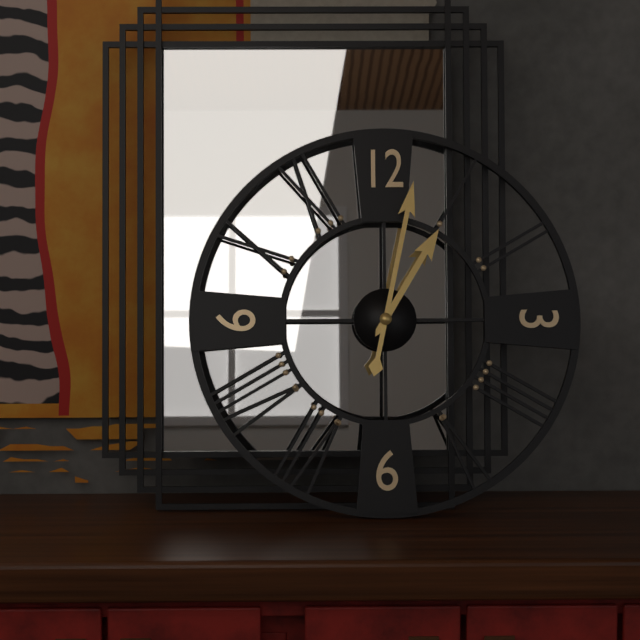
1:02
